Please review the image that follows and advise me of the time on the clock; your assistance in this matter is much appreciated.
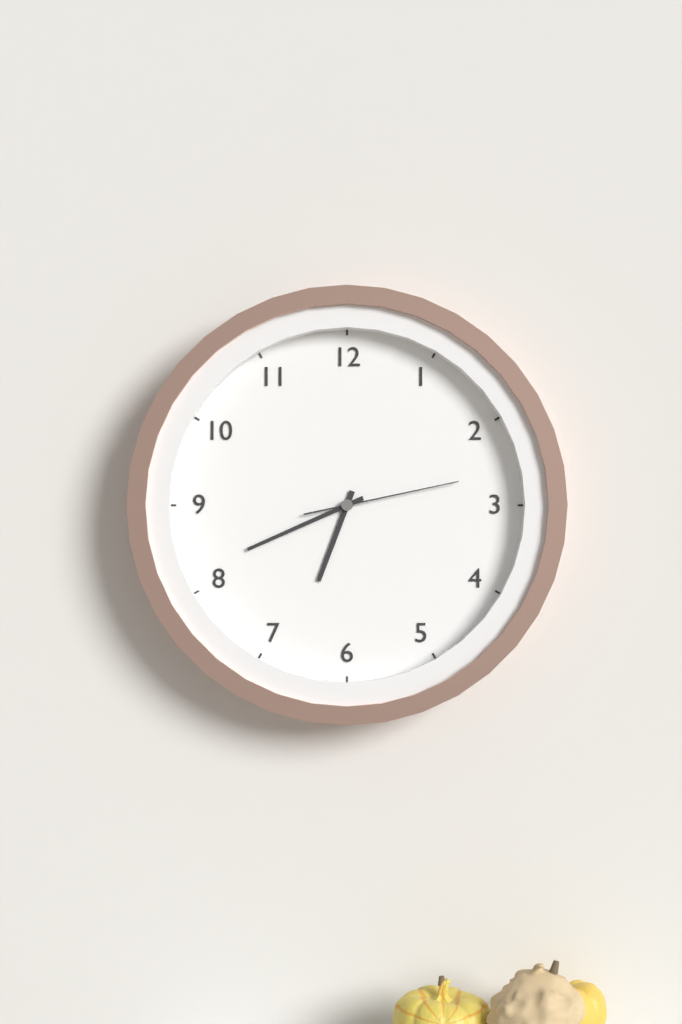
6:41:13
